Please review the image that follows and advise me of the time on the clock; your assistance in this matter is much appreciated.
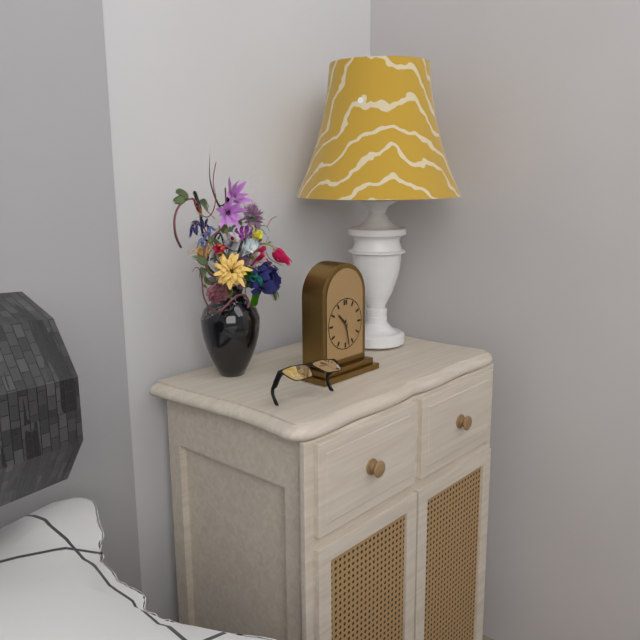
10:28
